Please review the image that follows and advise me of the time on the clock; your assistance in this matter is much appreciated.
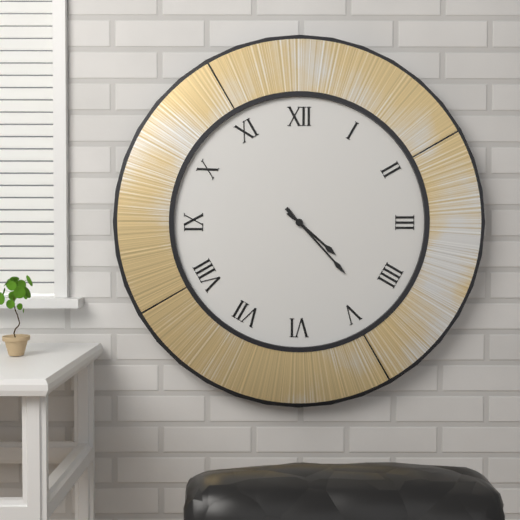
4:23
